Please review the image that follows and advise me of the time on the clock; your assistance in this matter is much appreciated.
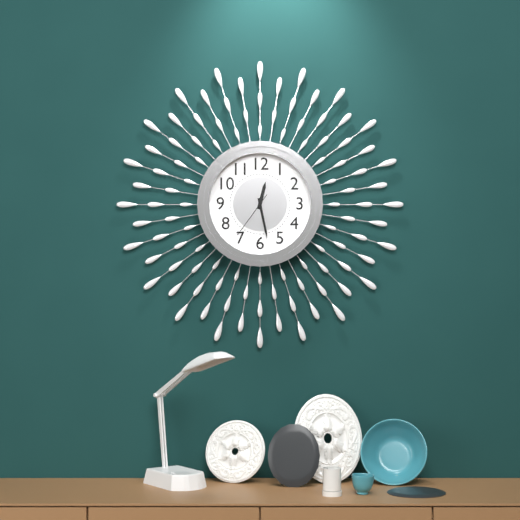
12:28
